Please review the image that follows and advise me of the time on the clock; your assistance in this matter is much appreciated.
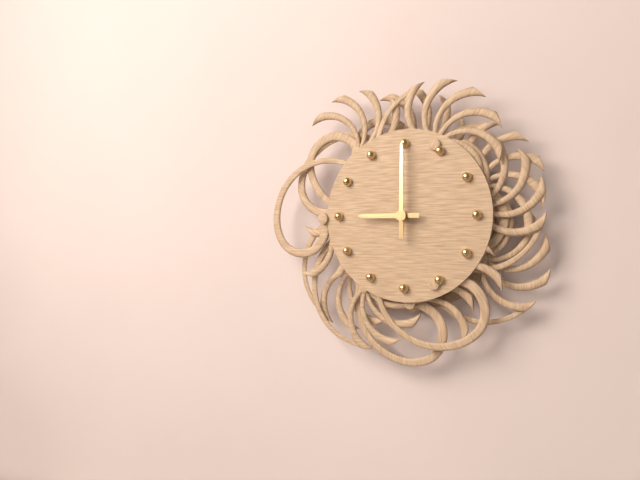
9:00
